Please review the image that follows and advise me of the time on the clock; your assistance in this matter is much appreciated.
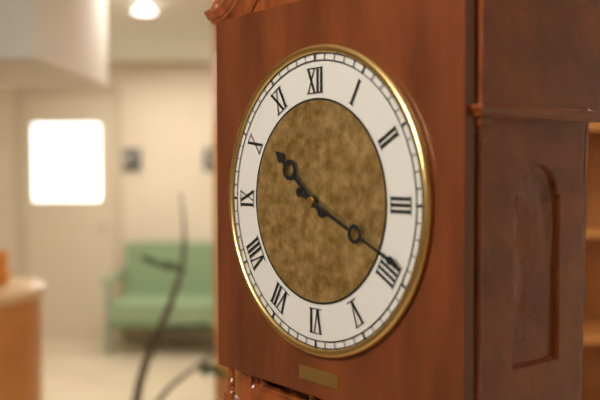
10:19
